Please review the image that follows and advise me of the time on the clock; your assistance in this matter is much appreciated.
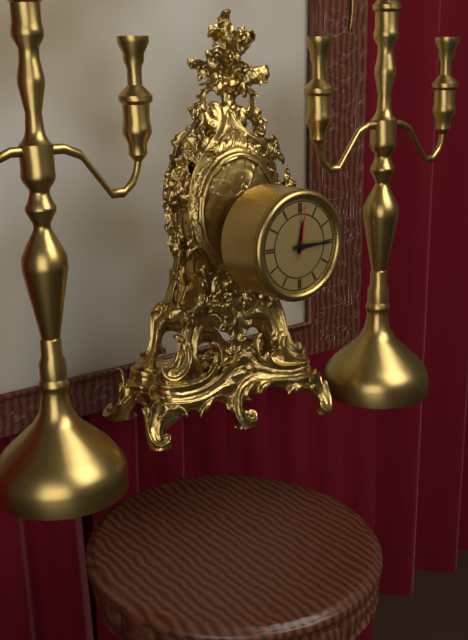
12:15:01
